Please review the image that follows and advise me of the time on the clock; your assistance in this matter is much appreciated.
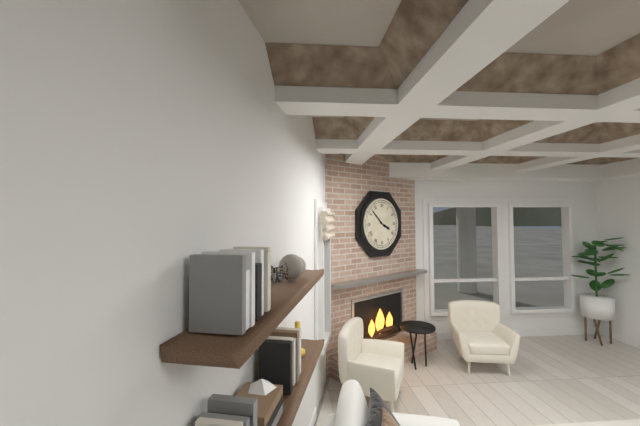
3:52
